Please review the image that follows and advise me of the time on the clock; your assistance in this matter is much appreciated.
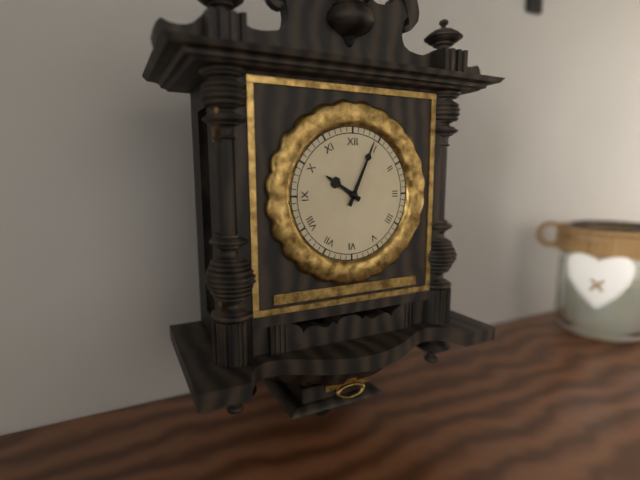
10:04
